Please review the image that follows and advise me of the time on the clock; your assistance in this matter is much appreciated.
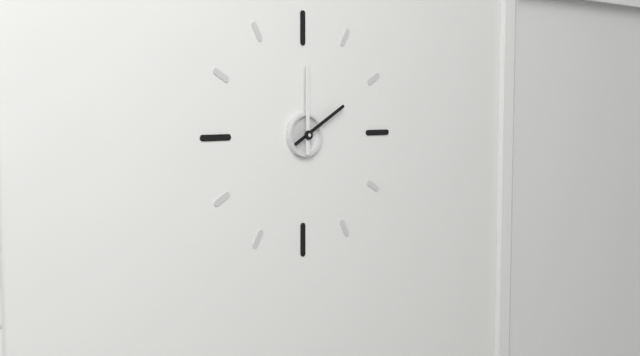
2:00
